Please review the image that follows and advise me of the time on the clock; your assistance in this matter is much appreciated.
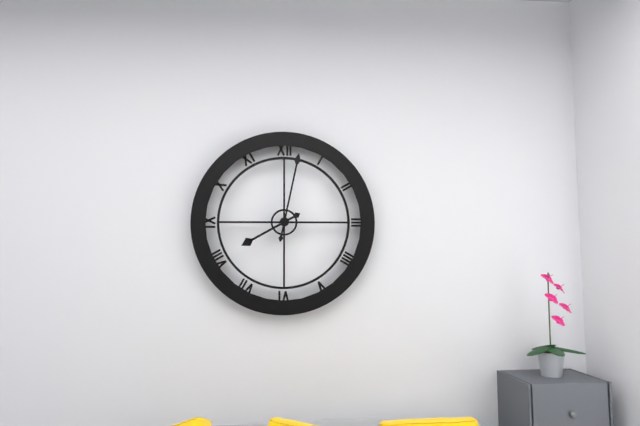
8:02
